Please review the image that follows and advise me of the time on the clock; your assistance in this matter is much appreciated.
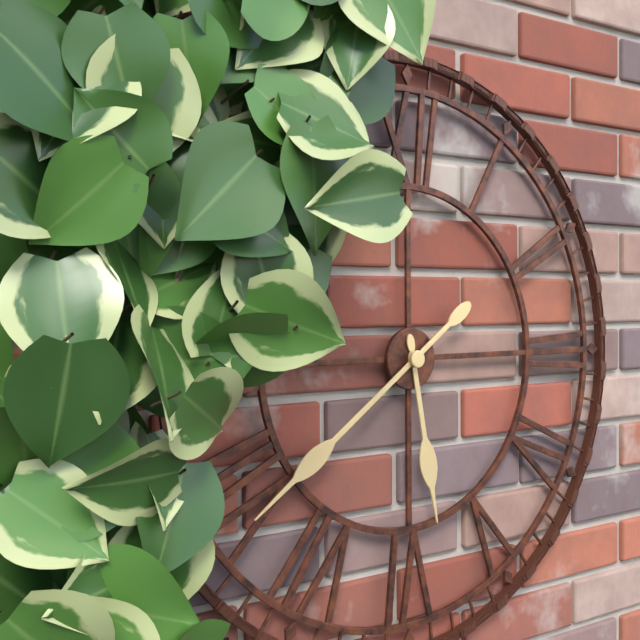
5:39
